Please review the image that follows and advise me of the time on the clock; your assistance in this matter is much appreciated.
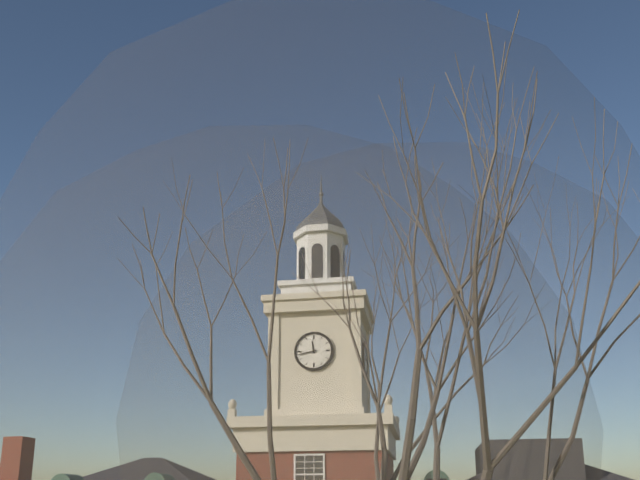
11:43
